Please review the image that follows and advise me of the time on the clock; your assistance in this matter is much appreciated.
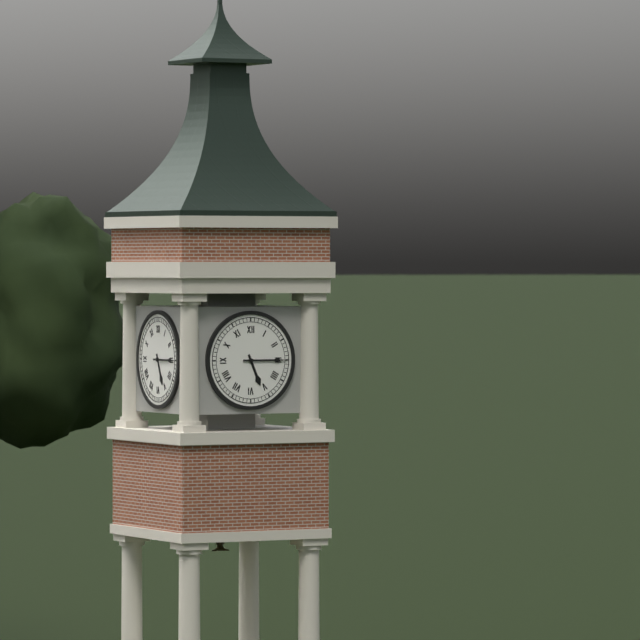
5:15
